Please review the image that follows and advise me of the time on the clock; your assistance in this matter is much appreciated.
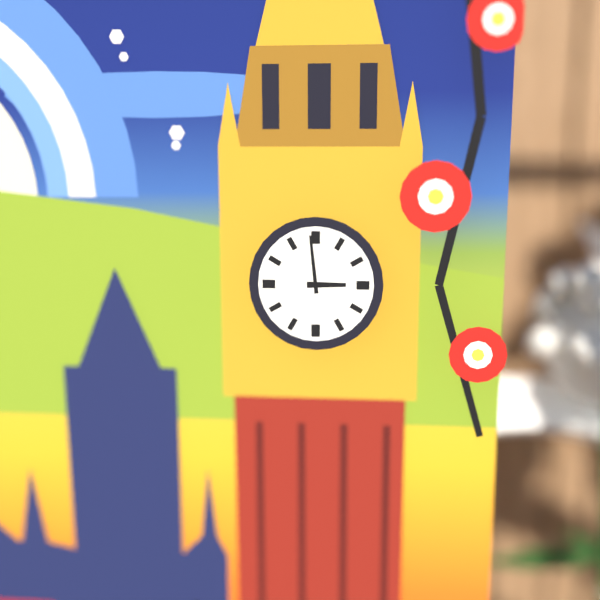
2:59
